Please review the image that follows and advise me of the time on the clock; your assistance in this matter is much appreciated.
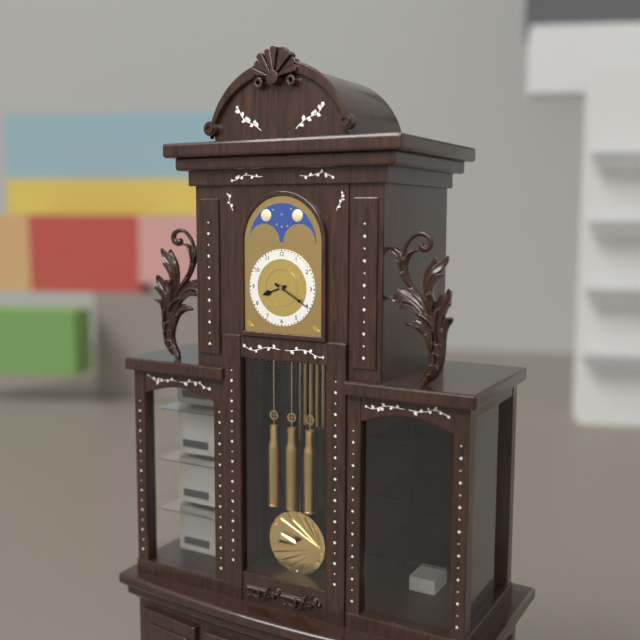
8:20
